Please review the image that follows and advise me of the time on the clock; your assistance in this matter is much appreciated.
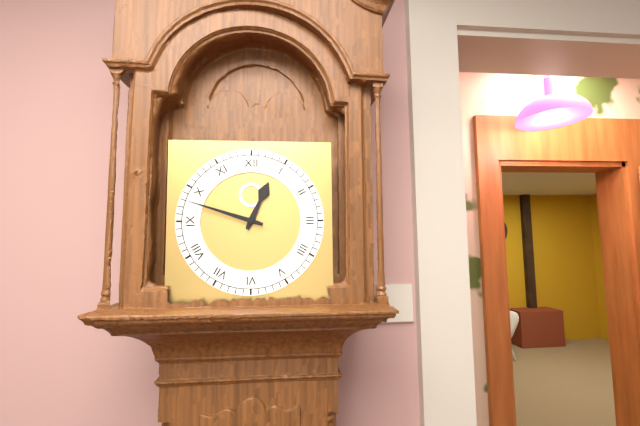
12:48
